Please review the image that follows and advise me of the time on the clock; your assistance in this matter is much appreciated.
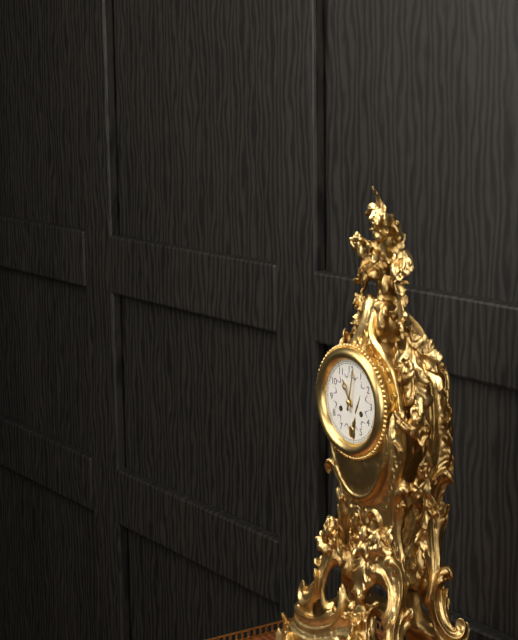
11:02
